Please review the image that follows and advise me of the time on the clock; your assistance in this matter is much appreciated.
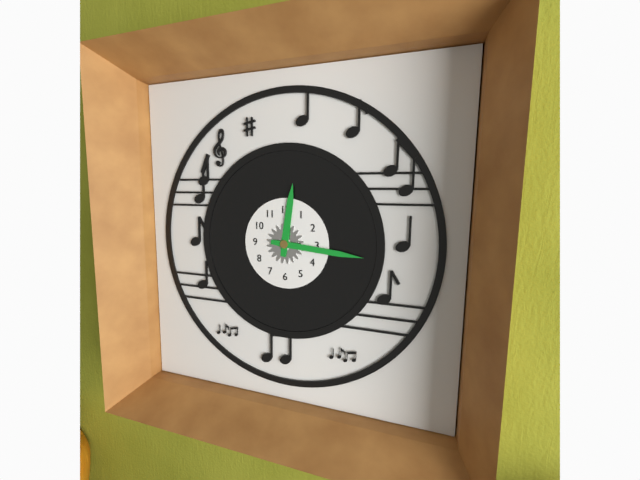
12:16
